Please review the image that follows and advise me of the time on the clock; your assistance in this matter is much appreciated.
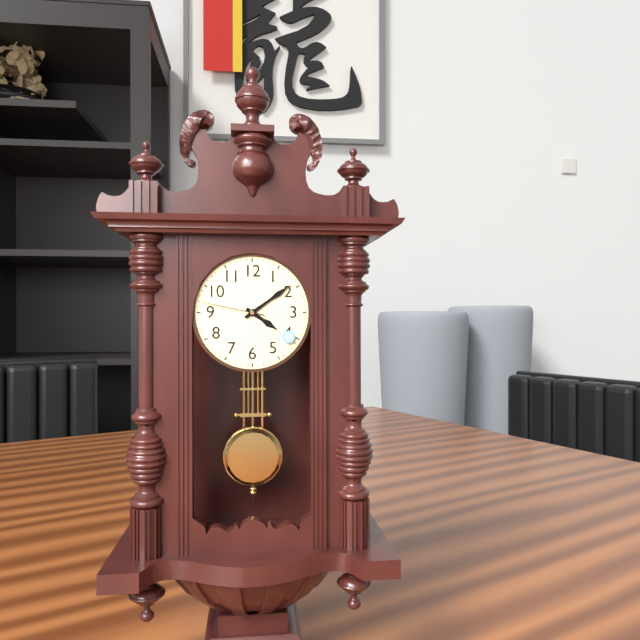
4:09:47
